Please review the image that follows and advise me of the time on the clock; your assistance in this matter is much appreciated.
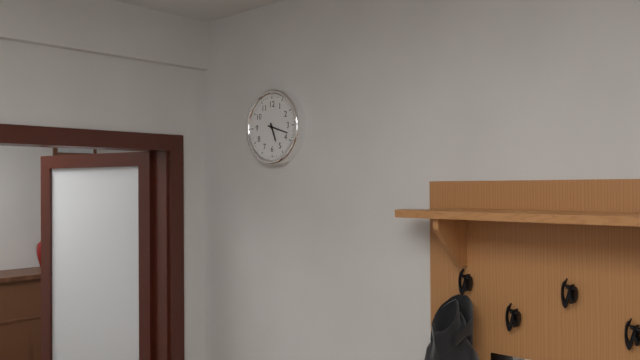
5:18
